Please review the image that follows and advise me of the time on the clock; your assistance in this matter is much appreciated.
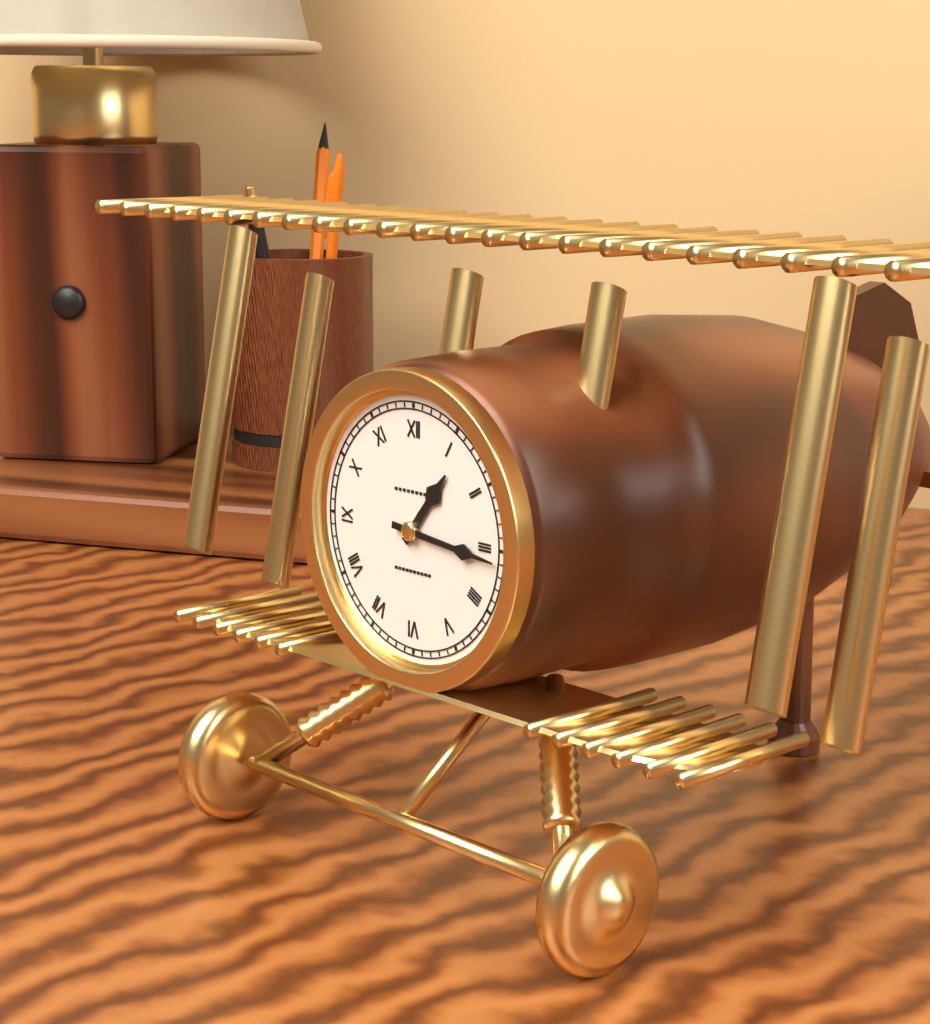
1:16
